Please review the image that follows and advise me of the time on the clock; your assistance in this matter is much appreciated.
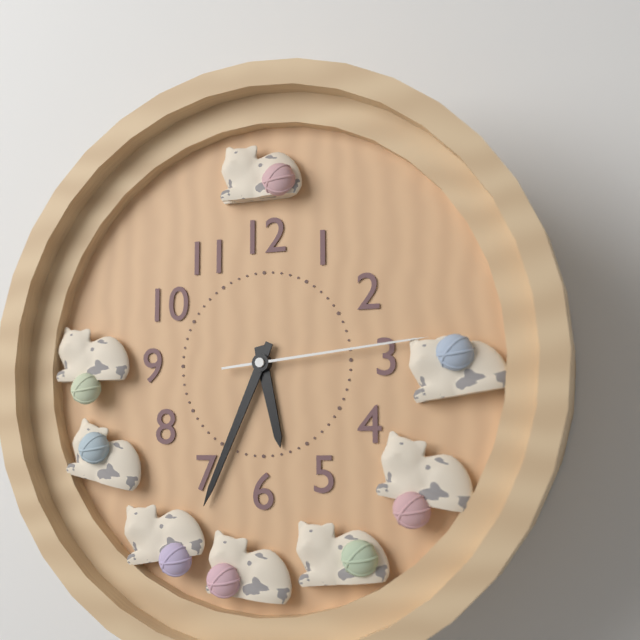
5:34:14
